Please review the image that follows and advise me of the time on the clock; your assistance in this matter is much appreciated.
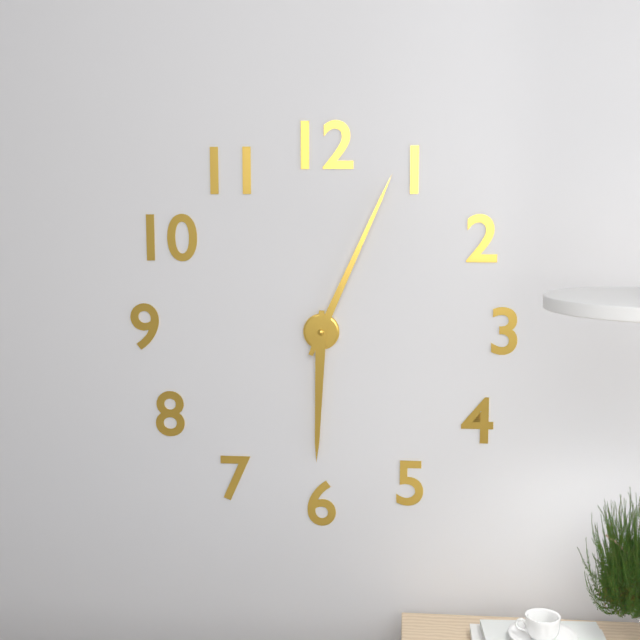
6:04
